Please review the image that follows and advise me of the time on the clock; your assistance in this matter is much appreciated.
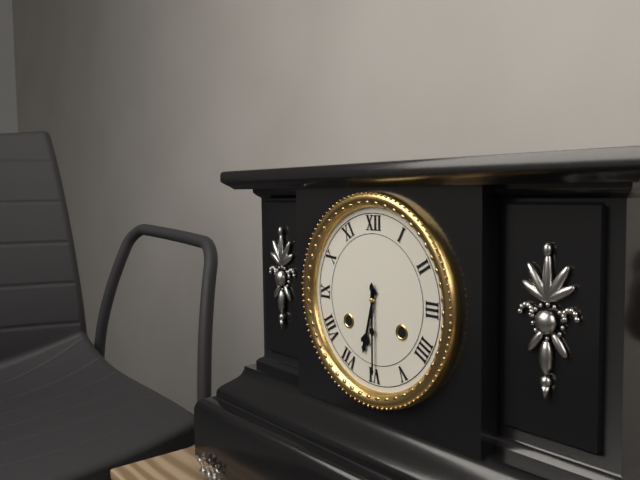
6:30
